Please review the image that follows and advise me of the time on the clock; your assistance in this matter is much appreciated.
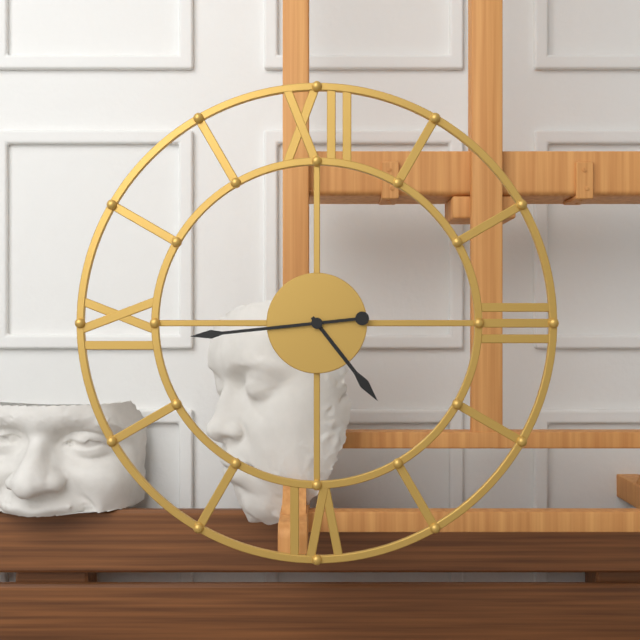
4:44
